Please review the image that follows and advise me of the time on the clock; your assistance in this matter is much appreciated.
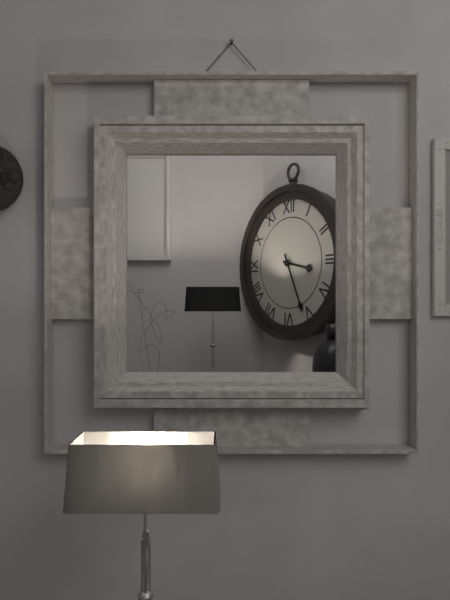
3:26
